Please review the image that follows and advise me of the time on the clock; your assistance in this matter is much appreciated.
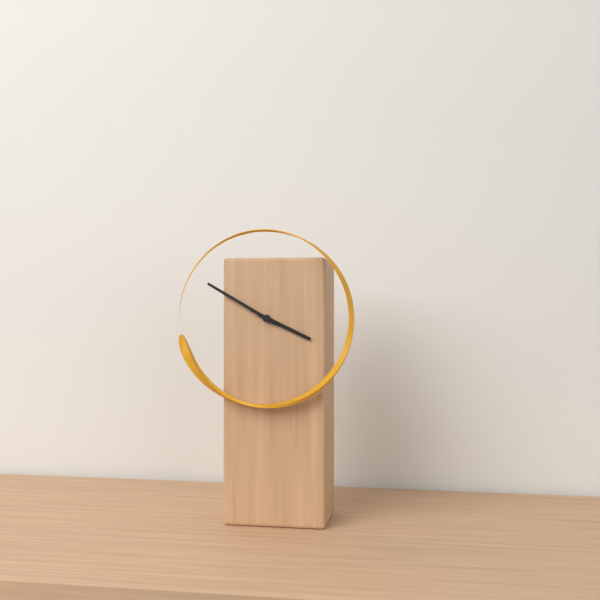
3:50
